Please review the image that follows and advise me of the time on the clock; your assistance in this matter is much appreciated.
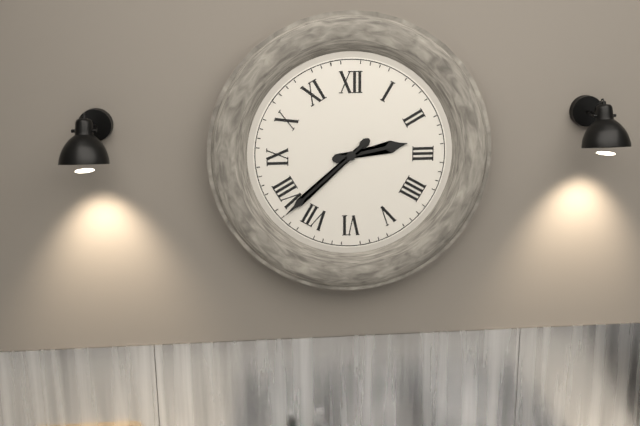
2:38
